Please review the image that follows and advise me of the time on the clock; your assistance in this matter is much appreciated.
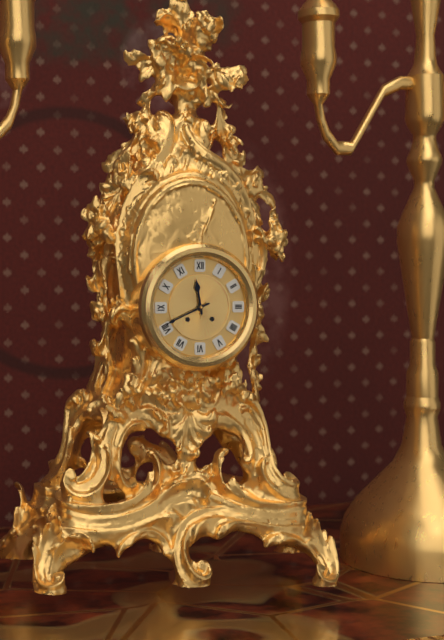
11:41
